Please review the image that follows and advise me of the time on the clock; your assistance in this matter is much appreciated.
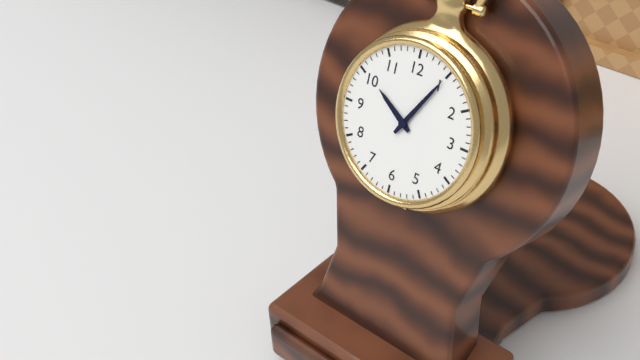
10:05
